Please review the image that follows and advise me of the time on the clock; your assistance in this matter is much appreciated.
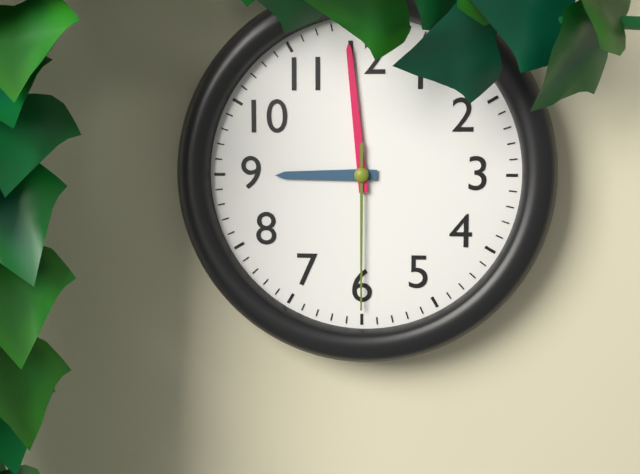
8:59:30
